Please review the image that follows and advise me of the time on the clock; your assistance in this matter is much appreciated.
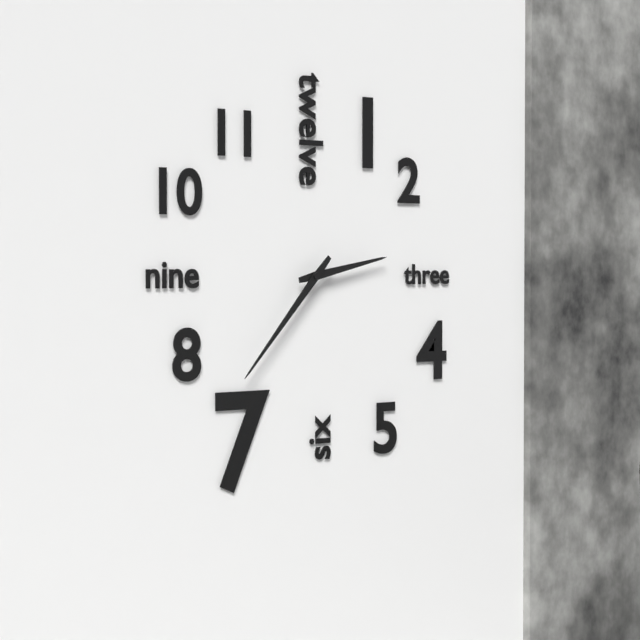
2:37
